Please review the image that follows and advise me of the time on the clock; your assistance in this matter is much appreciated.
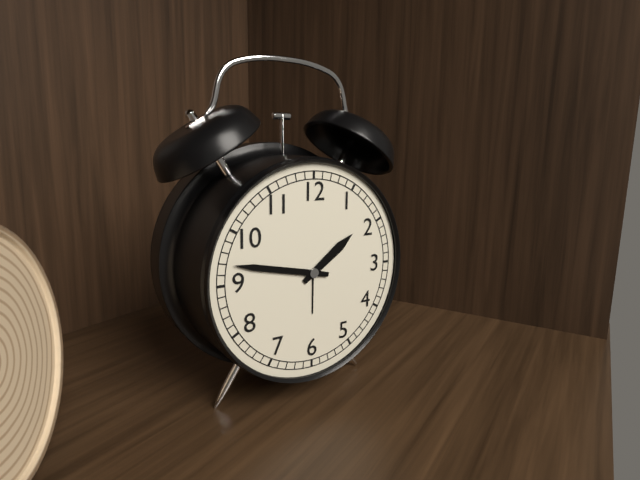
1:47
